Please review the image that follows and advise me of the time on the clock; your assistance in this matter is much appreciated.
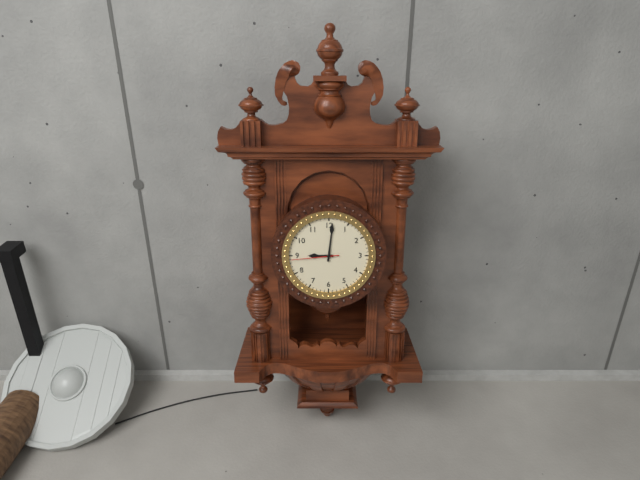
9:01
